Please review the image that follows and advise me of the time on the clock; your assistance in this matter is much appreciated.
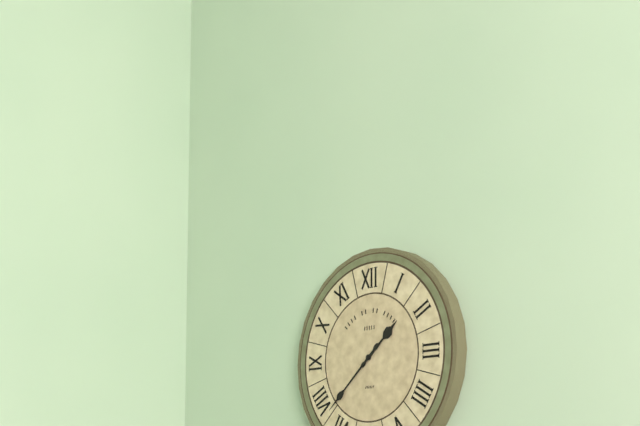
1:38
